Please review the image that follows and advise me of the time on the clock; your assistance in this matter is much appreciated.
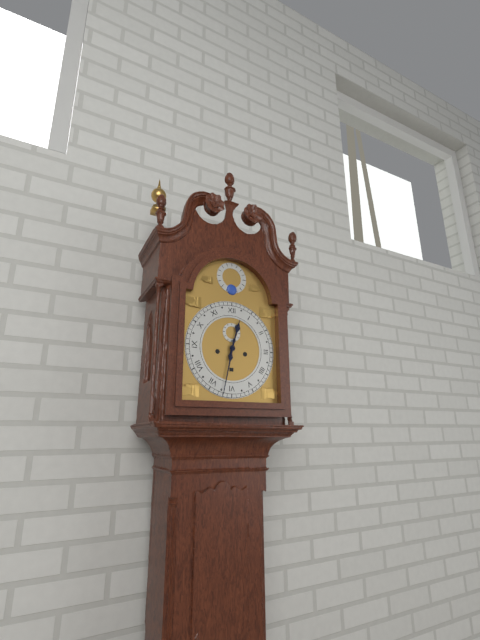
12:32
